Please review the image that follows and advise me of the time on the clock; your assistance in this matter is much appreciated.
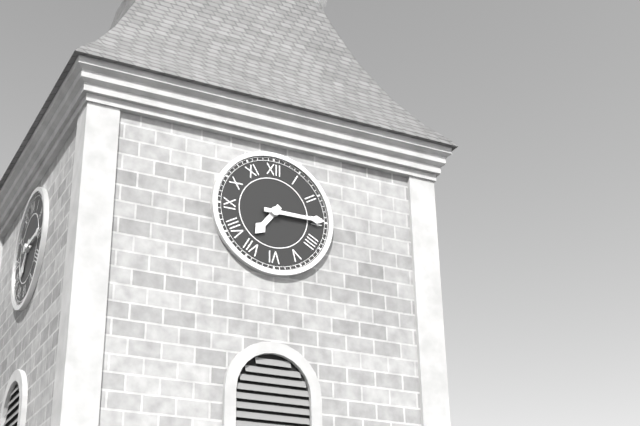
7:15
